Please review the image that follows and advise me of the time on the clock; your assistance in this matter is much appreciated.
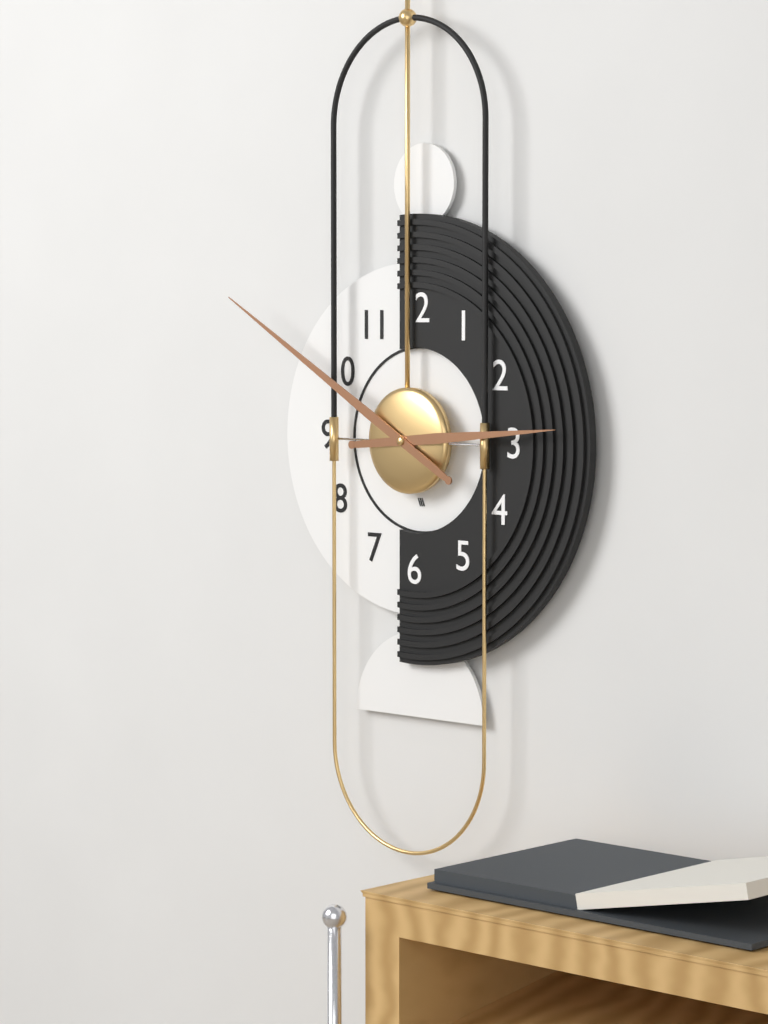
2:50
